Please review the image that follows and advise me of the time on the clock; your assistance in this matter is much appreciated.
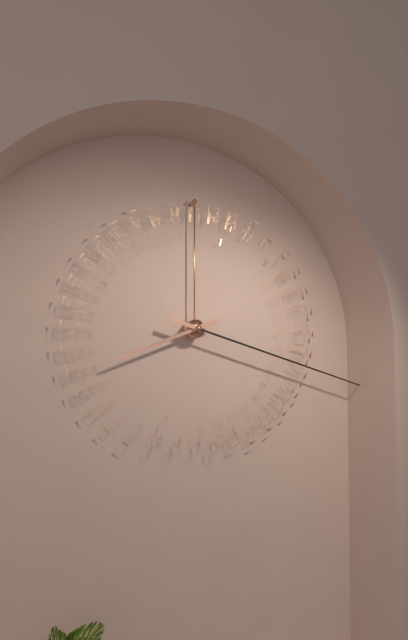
8:18
